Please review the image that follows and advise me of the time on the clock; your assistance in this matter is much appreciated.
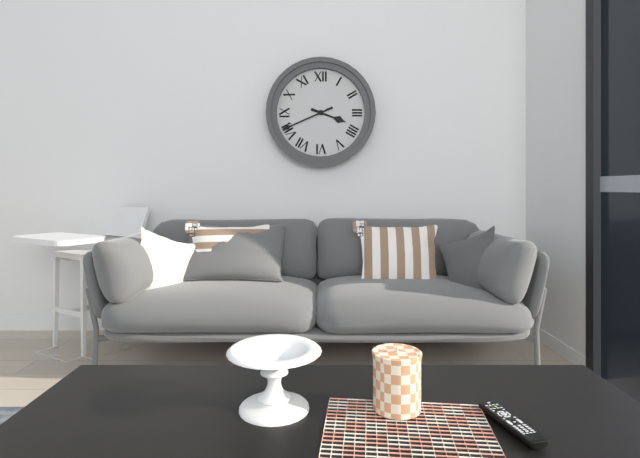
3:41
